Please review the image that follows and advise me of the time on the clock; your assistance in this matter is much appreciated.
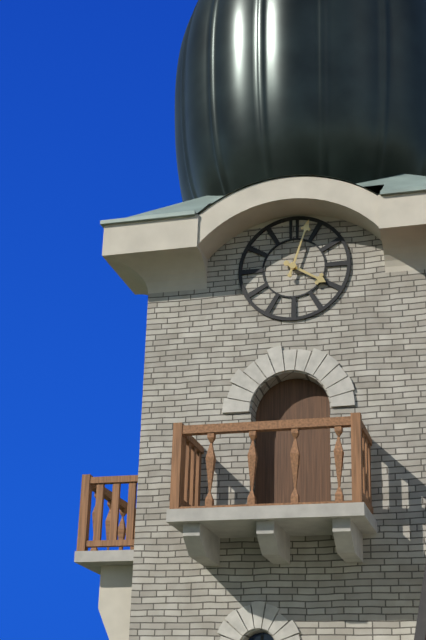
4:03
